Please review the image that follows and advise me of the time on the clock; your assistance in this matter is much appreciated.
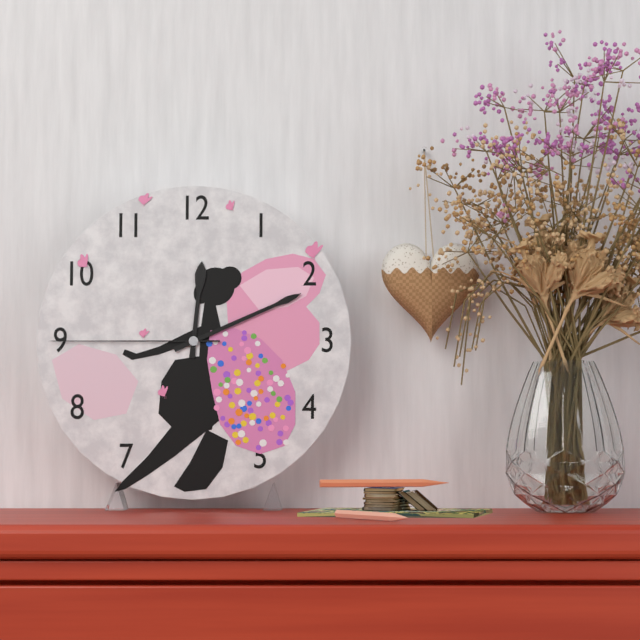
12:11:45
